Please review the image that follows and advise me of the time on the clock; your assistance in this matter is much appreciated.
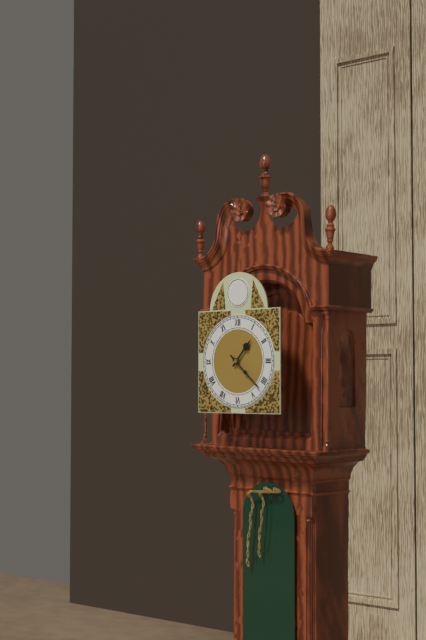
1:22
